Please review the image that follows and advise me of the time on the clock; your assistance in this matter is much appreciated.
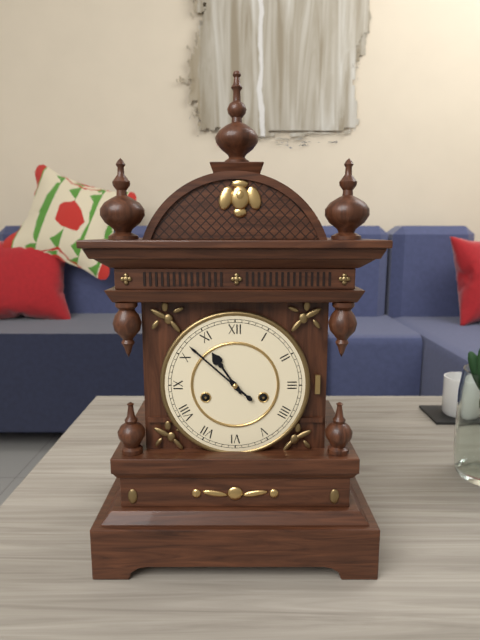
10:52
